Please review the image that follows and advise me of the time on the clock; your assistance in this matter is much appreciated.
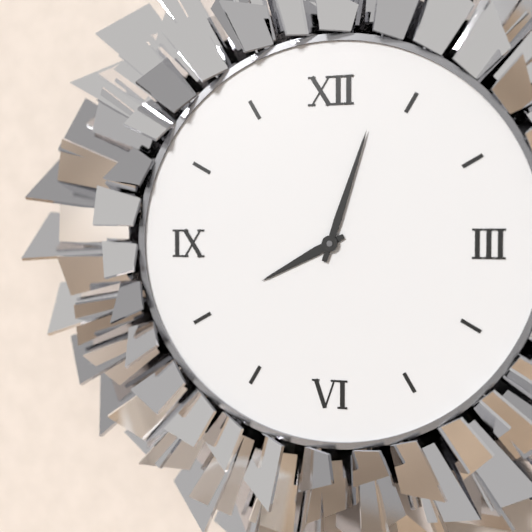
8:03
